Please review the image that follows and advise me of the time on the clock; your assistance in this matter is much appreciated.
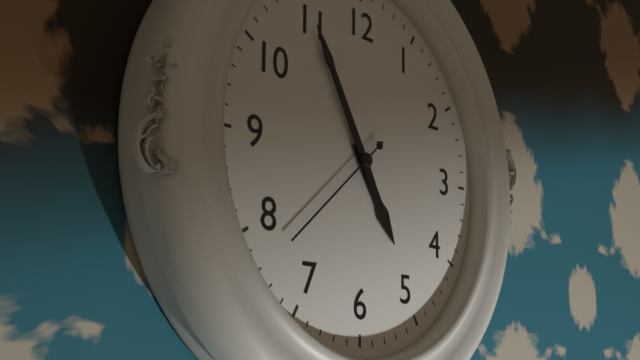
4:55:38
